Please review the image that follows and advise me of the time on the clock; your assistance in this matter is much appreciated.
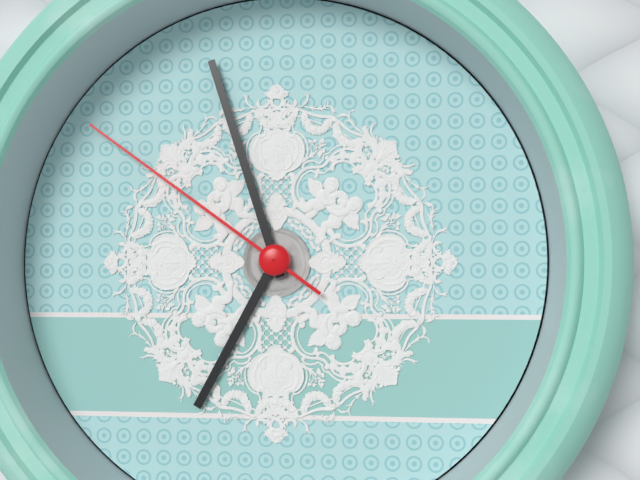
6:57:51
